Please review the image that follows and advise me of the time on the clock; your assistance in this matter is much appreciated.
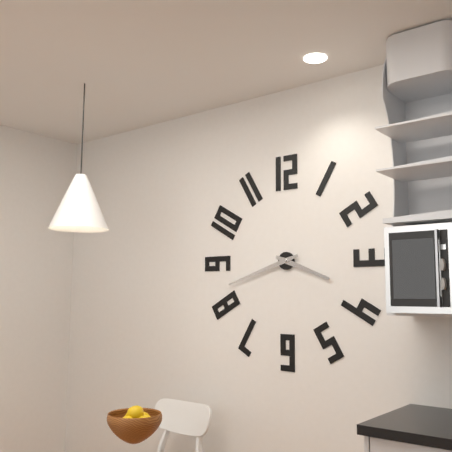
3:42
